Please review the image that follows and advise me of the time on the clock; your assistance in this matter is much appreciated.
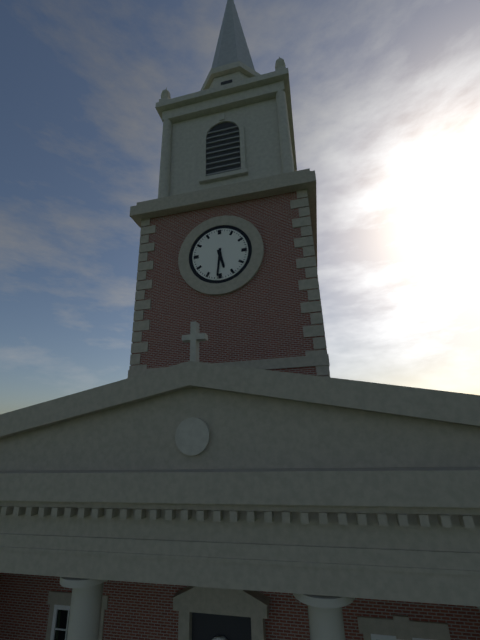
5:31
